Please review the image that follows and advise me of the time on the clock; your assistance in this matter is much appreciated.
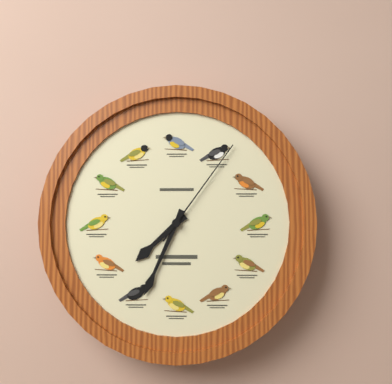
7:34:06
